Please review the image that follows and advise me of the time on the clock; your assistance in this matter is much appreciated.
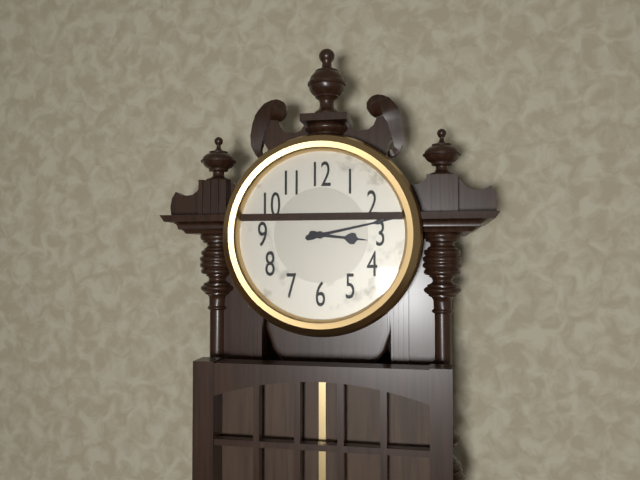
3:13
